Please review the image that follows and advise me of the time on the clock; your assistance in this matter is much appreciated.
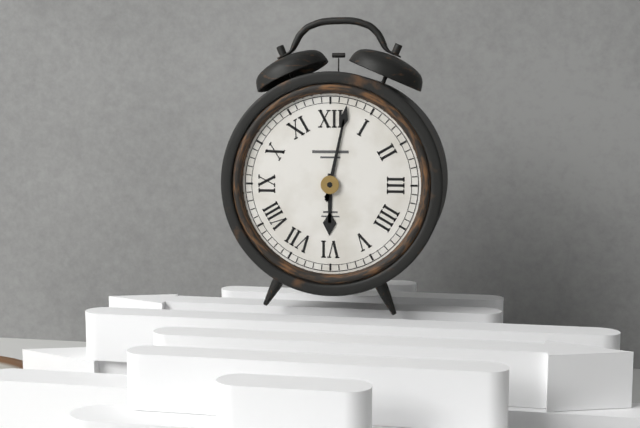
6:02
